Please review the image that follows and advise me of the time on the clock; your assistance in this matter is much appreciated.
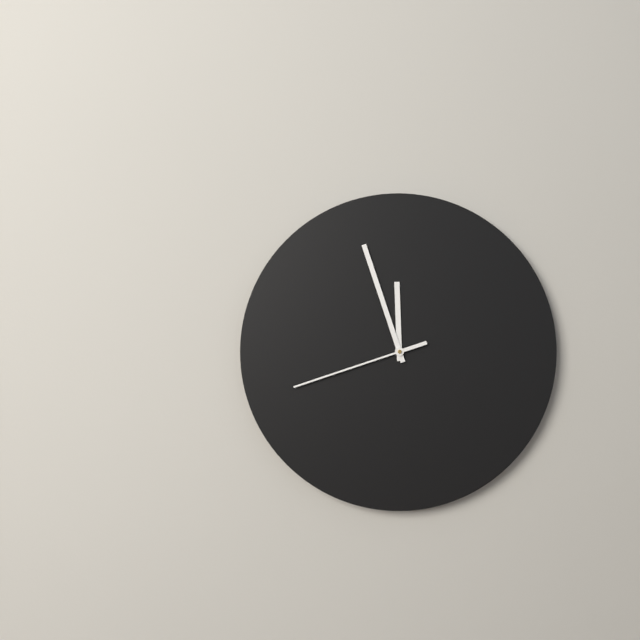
11:57:42
